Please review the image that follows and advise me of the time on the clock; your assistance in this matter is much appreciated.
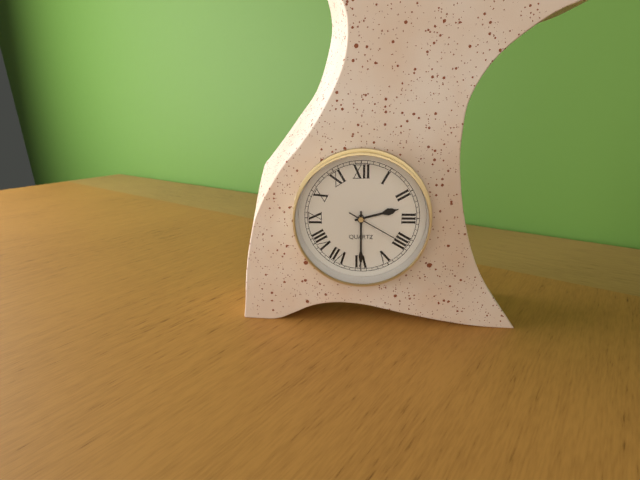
2:30:20
